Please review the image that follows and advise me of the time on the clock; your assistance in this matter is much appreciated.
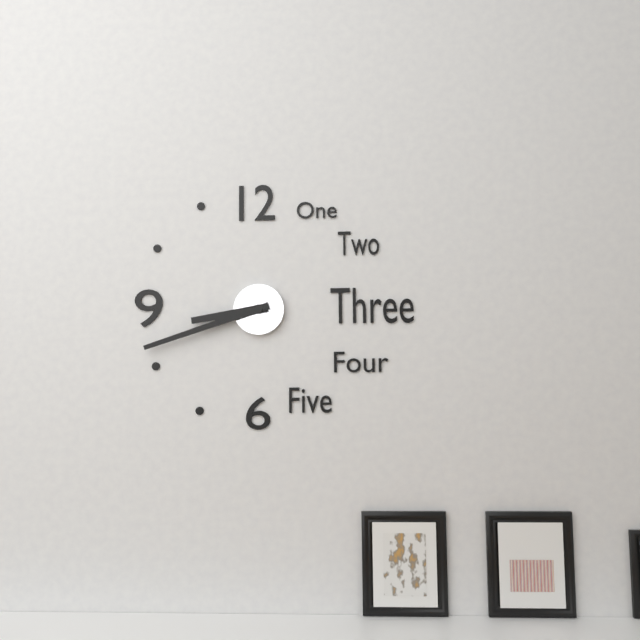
8:42
